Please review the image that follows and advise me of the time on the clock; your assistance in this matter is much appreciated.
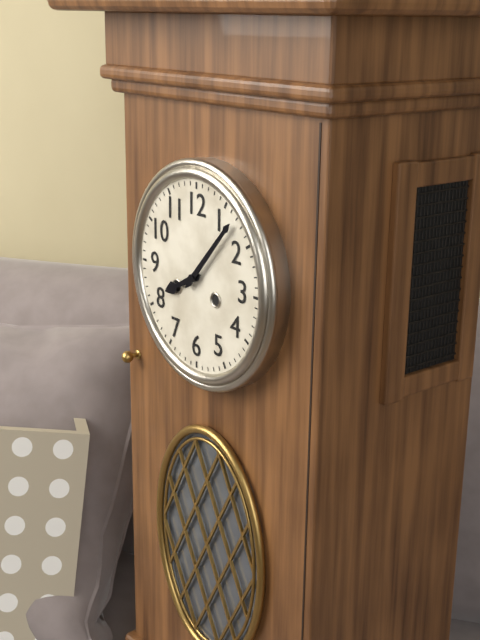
8:07
